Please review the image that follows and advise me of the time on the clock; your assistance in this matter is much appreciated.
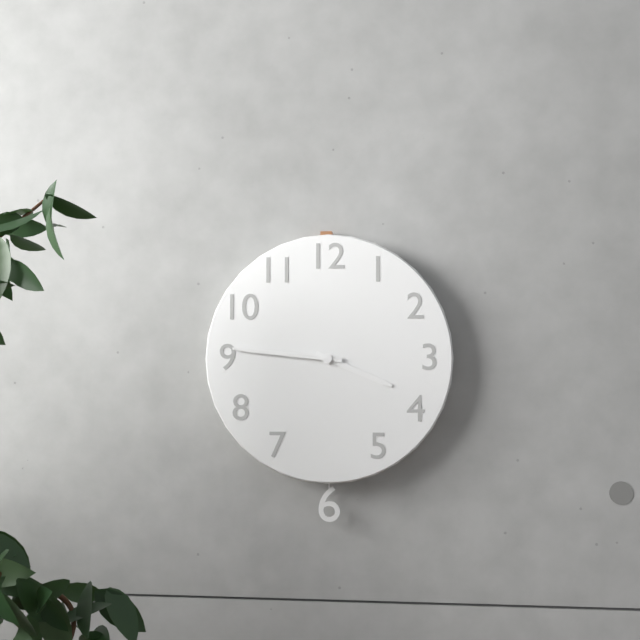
3:46
